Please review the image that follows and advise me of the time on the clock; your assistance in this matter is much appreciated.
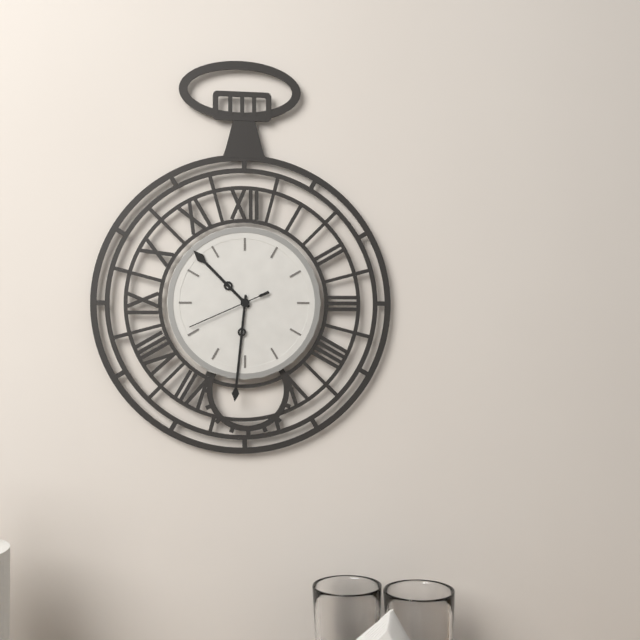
10:31:41
